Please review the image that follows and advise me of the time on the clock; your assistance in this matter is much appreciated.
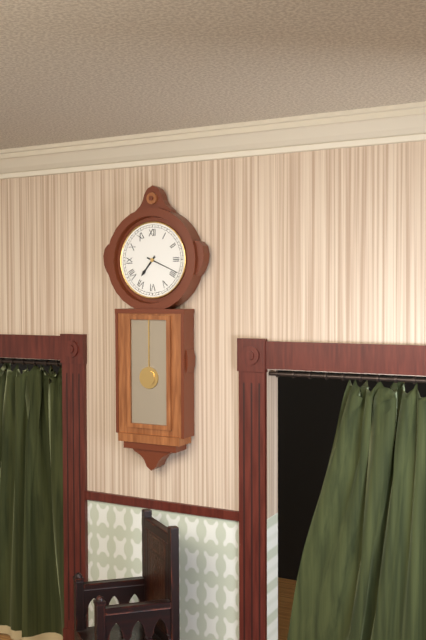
7:19
